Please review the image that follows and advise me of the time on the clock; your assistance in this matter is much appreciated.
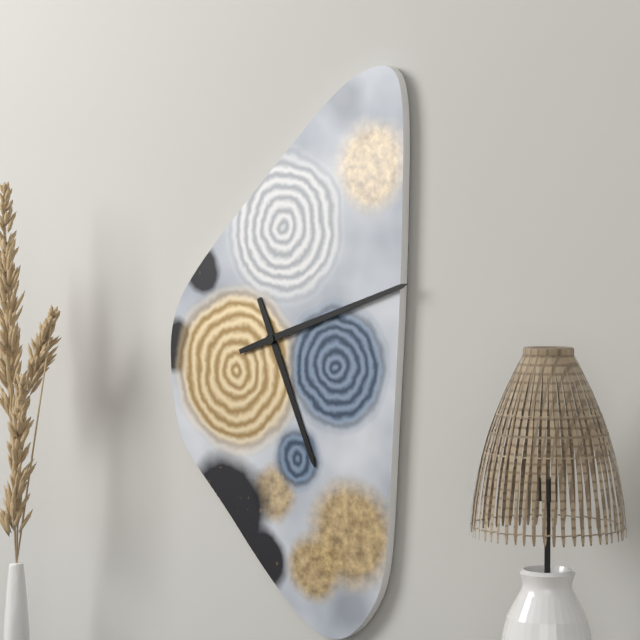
5:12
